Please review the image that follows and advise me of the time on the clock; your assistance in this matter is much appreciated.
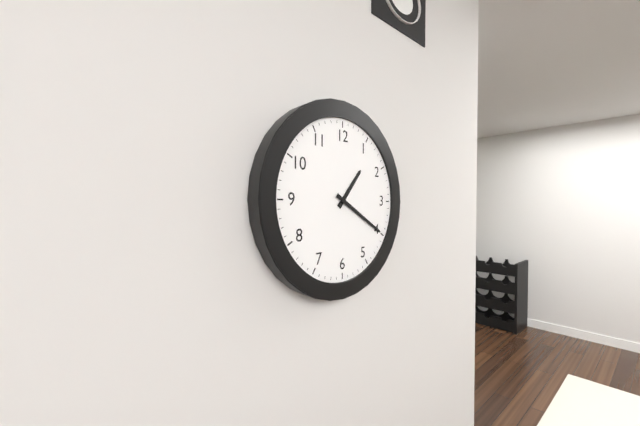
1:20
